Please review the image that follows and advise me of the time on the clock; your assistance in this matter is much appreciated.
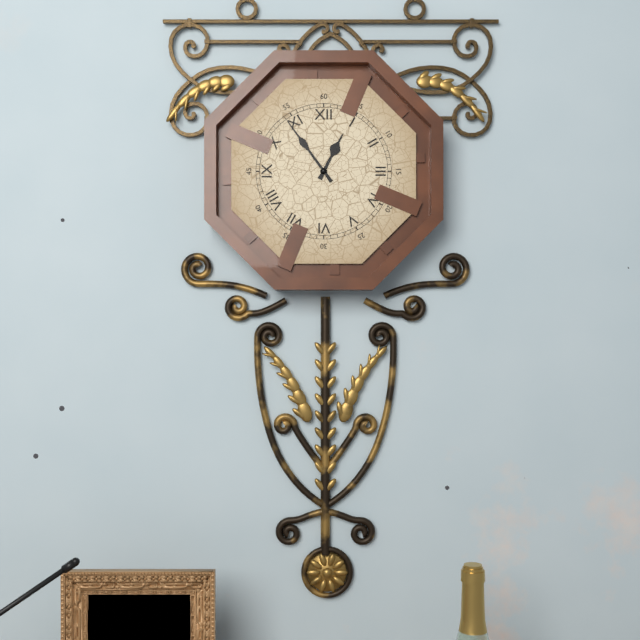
12:54
